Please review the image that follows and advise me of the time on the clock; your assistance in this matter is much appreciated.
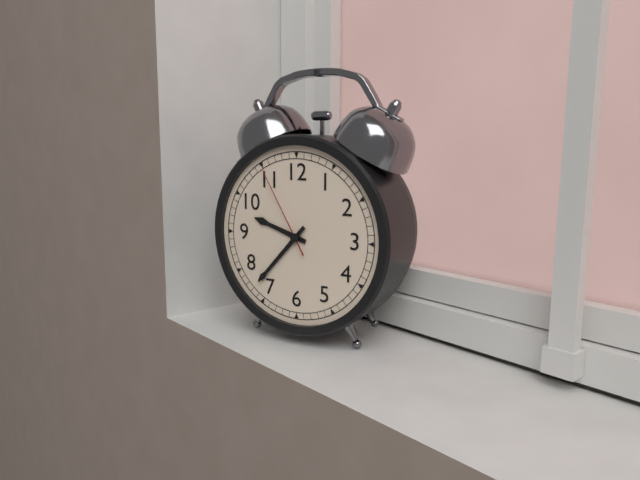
9:37:55
